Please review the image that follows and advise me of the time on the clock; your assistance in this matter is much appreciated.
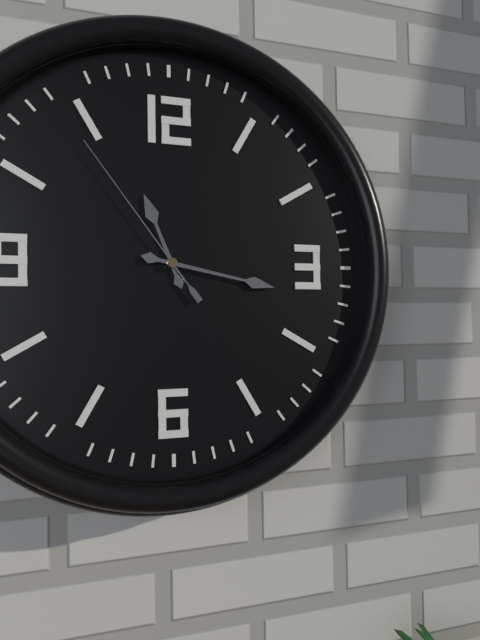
11:17:54
